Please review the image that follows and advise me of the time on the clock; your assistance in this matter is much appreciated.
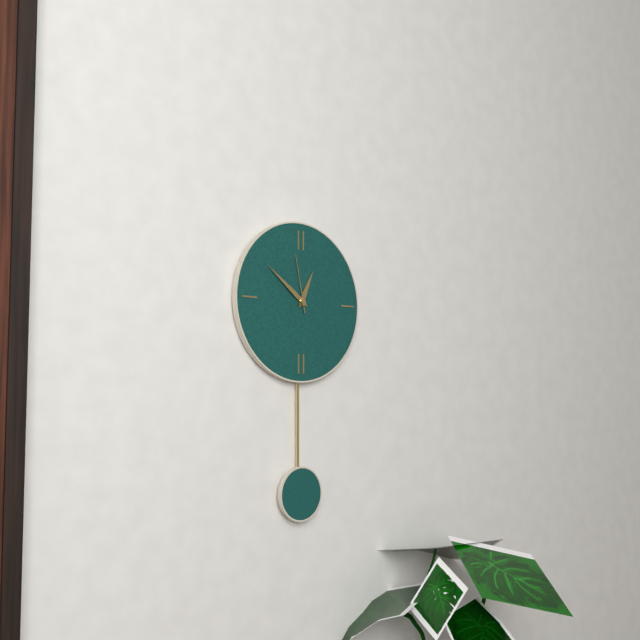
12:51:58
